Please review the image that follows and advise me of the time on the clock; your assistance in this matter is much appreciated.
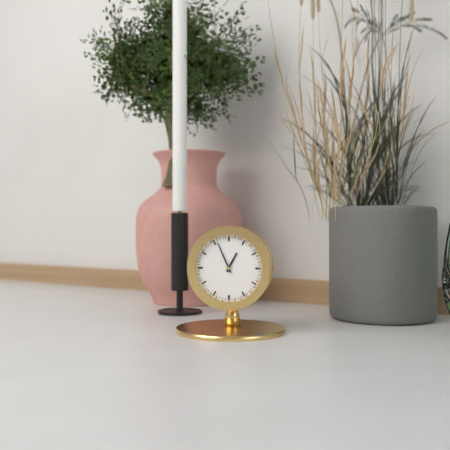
12:56
